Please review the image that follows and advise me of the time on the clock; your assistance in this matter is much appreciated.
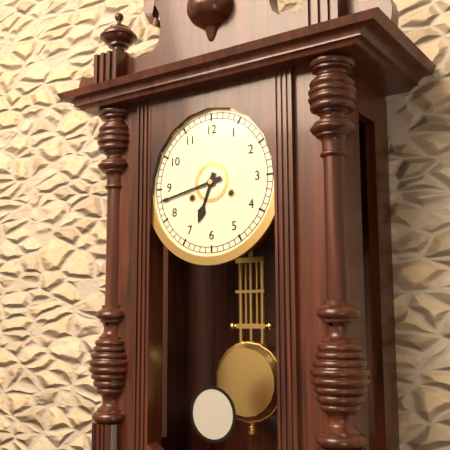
6:43
